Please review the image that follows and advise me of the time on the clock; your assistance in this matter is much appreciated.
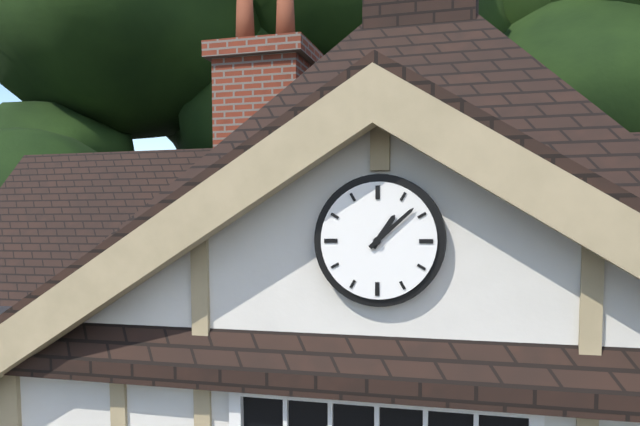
1:08
